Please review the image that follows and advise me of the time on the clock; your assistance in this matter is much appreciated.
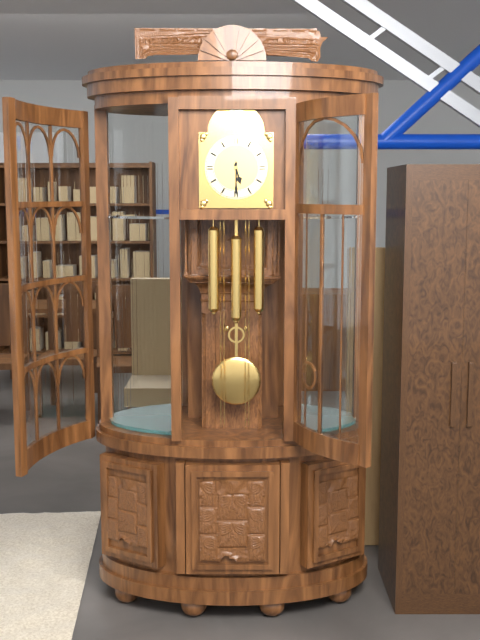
5:30
